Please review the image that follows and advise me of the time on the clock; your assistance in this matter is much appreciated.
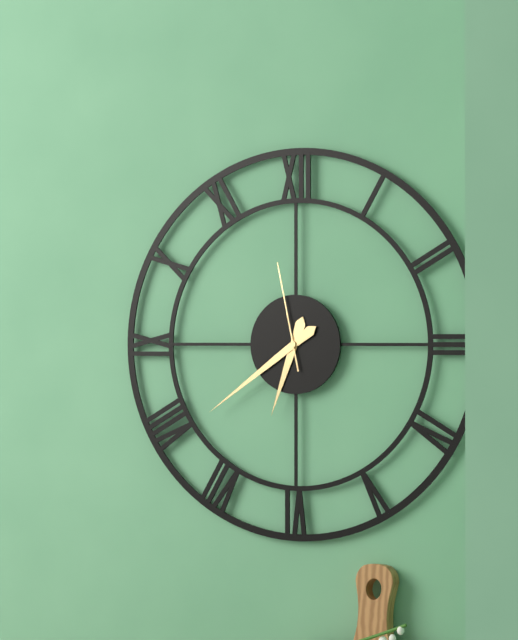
6:39:58
